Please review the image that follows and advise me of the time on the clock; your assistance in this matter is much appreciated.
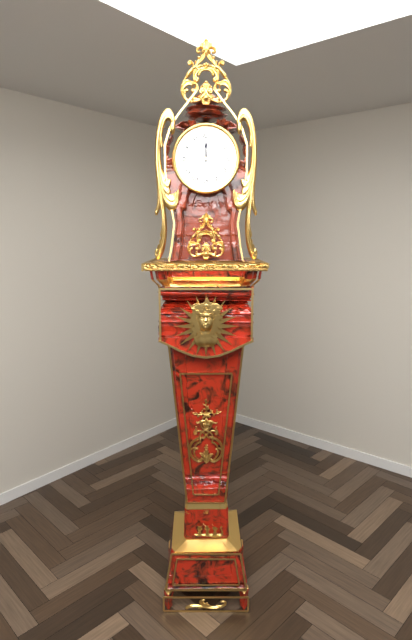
12:00
